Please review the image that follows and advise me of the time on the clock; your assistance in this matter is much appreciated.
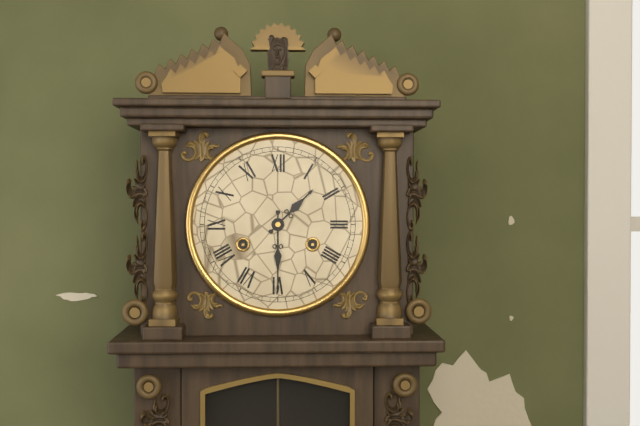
1:30
